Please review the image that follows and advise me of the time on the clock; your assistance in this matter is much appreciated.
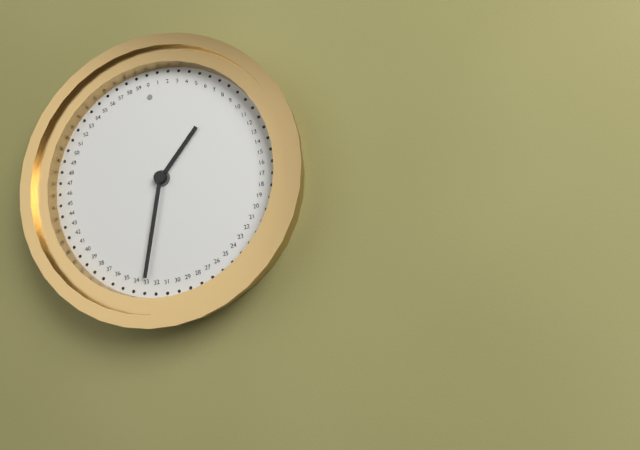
1:33
